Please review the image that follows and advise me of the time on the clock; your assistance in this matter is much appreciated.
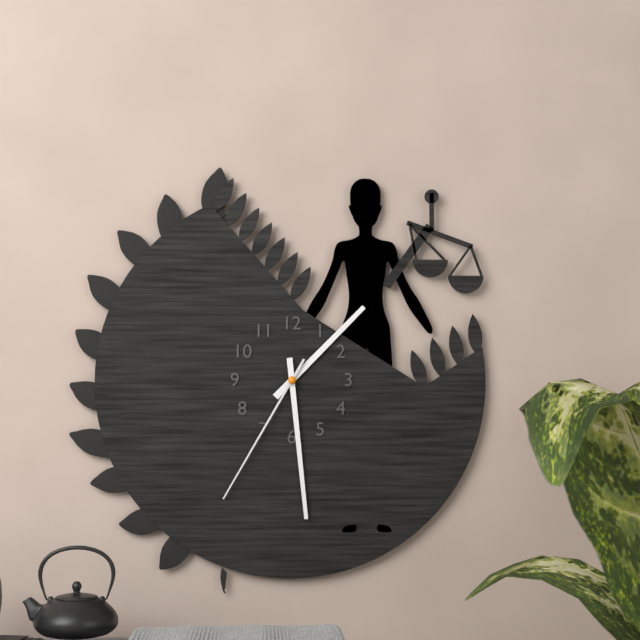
1:29:35
